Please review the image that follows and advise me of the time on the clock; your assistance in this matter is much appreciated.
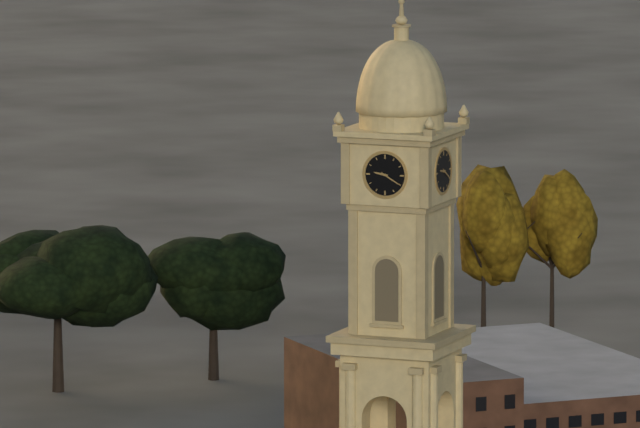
9:20
